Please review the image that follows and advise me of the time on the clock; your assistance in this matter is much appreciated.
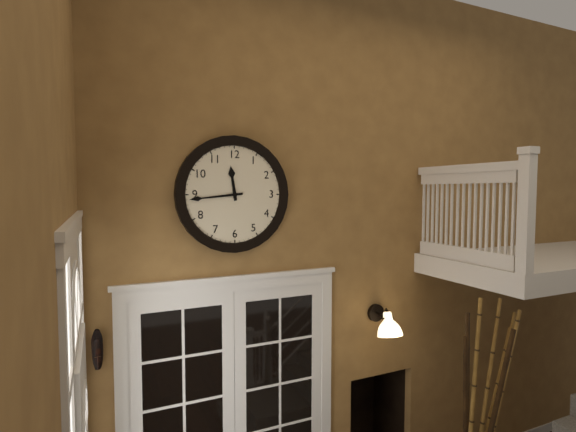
11:44
